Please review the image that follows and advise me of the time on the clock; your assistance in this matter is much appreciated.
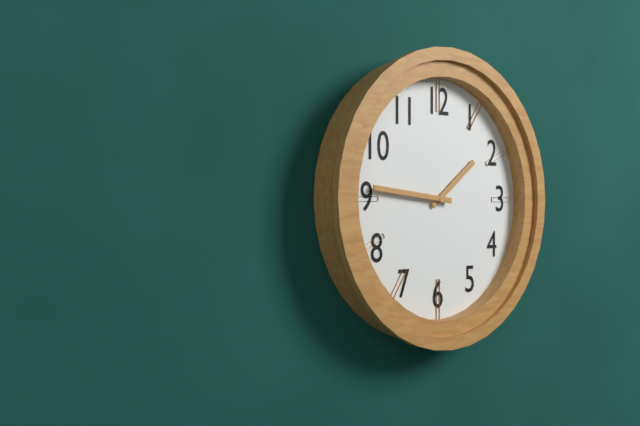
1:46
